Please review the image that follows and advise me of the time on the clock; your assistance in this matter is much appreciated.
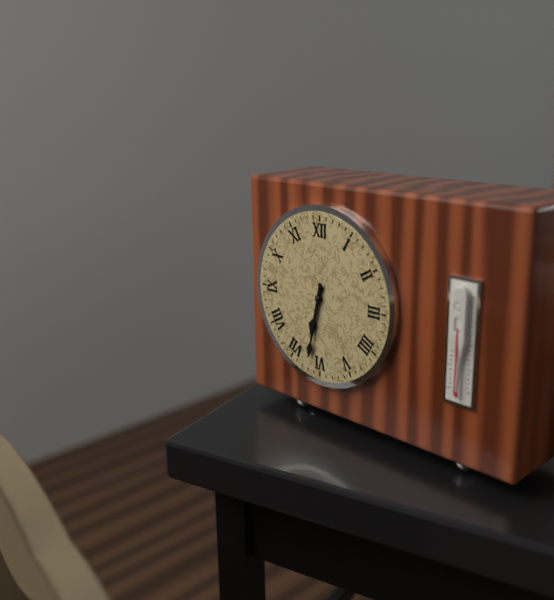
6:32
